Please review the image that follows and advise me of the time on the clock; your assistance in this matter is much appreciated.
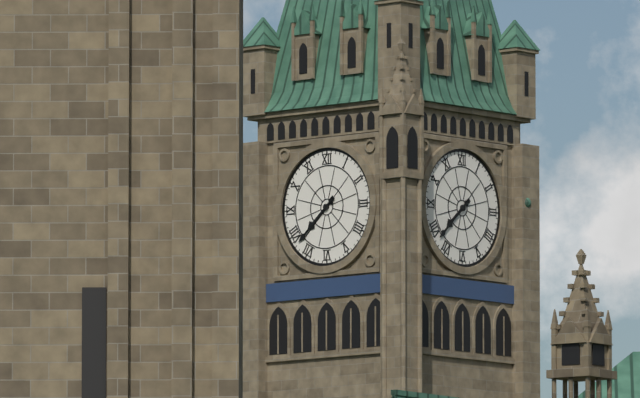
7:38
